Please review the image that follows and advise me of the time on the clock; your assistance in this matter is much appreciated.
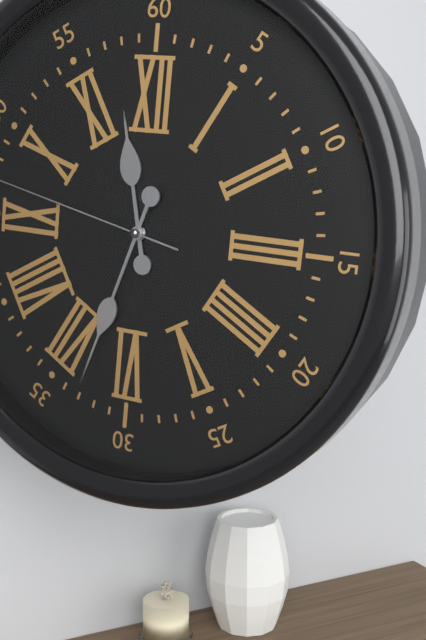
11:33
